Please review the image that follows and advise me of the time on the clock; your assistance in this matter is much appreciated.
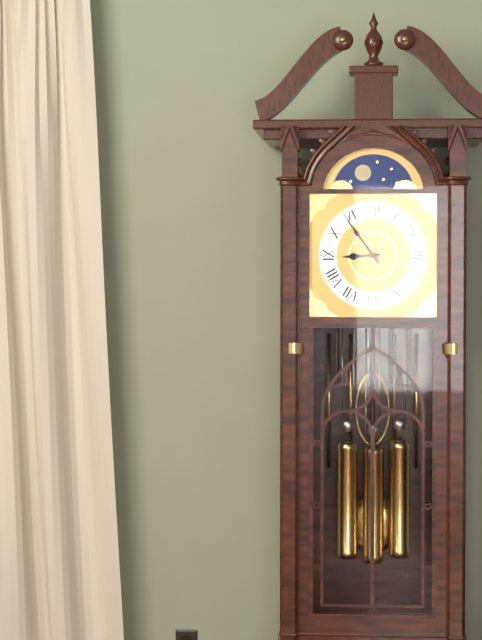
8:54
